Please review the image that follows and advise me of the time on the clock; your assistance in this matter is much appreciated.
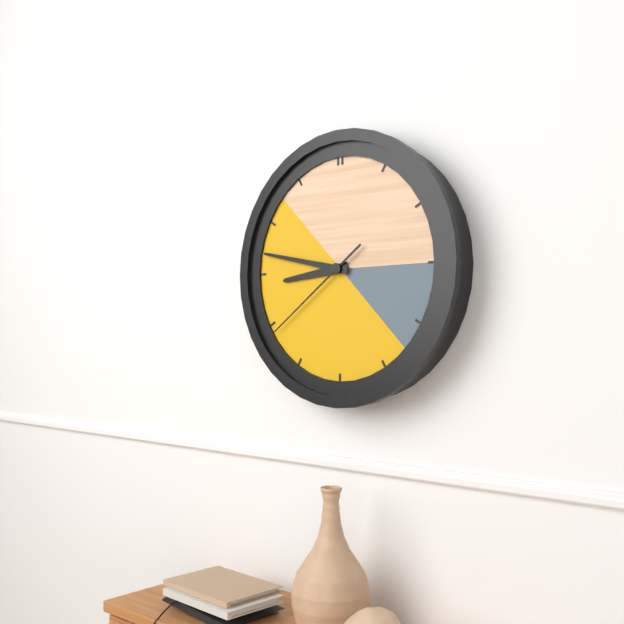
8:47:39
